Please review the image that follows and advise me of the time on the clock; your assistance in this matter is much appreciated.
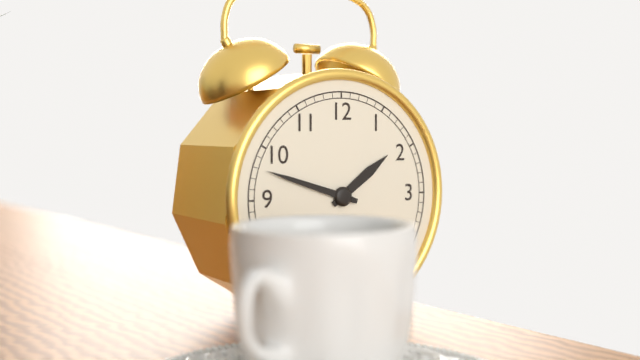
1:48
